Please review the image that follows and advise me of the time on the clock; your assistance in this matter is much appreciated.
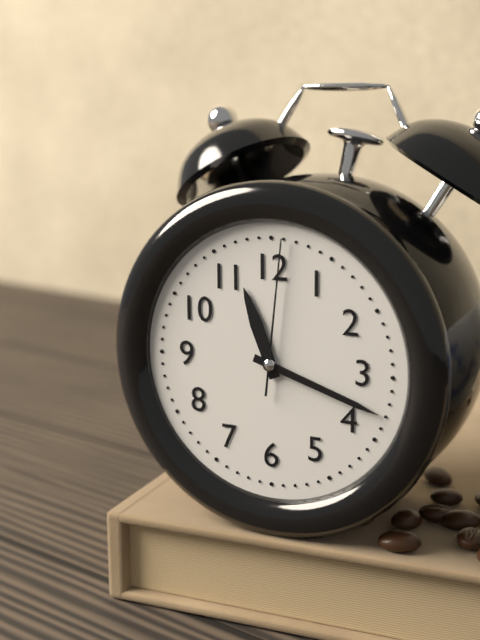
11:18:01
